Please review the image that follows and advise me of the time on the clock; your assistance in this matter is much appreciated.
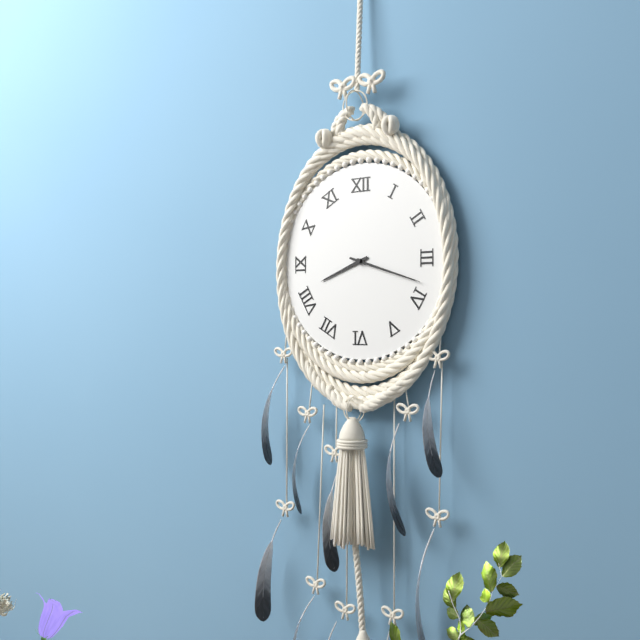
8:18
